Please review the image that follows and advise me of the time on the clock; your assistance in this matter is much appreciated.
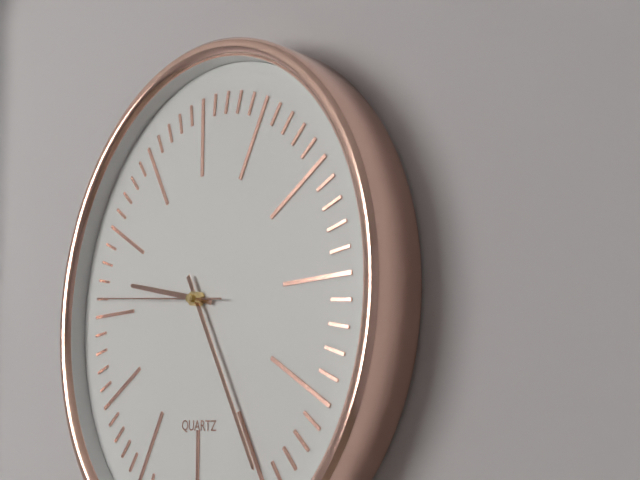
9:25:46
